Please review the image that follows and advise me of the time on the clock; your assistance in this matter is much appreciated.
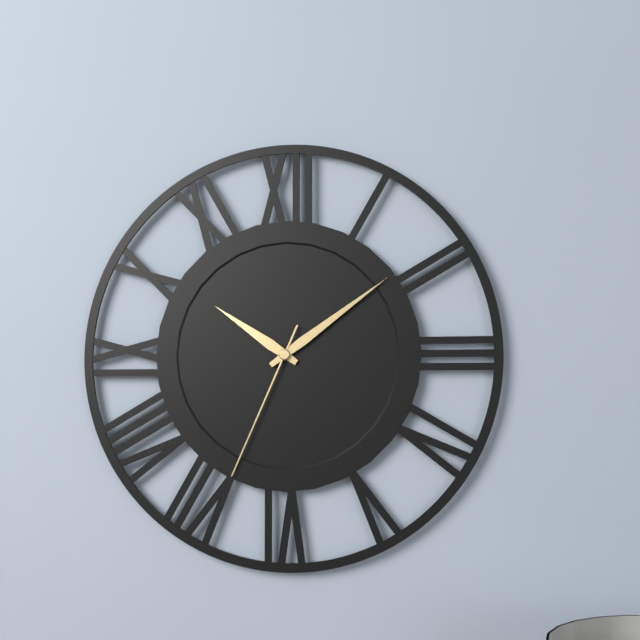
10:09:34
